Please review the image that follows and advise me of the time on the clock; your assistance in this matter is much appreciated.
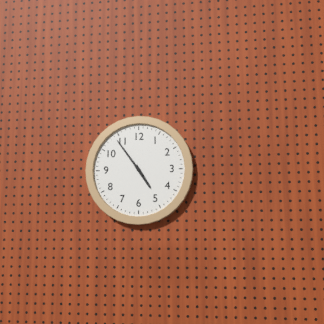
4:54
